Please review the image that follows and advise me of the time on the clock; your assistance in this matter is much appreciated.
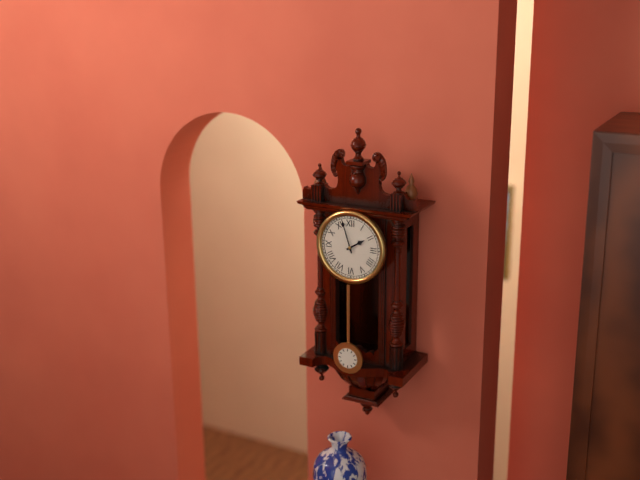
1:57
